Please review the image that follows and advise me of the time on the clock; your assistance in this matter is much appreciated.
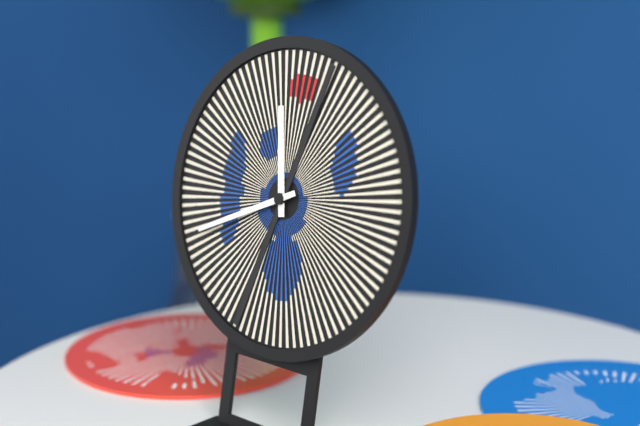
11:41:03
